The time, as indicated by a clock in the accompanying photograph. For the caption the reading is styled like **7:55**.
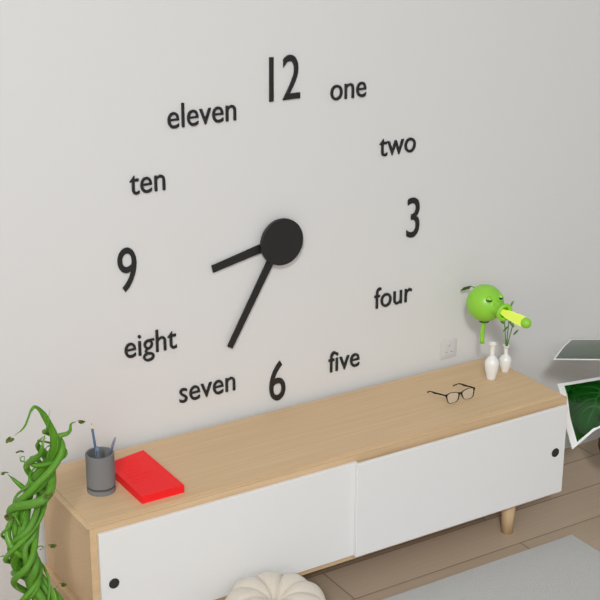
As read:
**8:35**
